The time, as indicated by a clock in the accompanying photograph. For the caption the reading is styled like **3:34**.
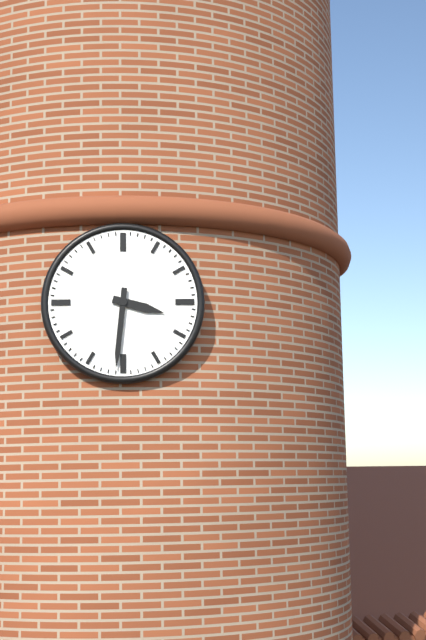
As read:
**3:31**
